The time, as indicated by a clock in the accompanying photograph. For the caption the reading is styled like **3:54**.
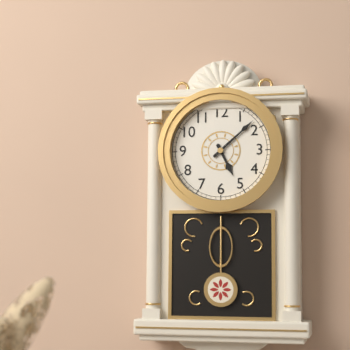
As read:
**5:08**
